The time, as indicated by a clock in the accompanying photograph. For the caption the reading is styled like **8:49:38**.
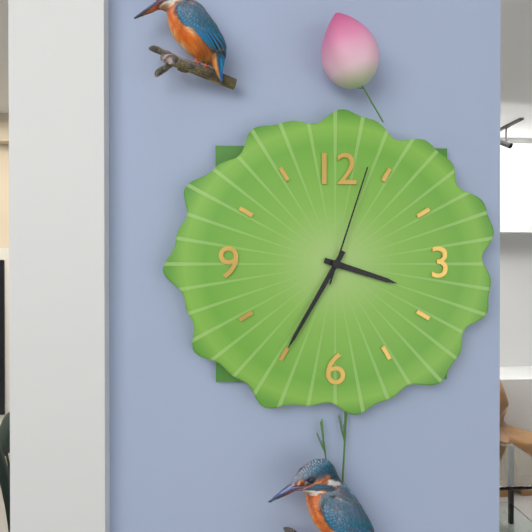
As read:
**3:35:03**
